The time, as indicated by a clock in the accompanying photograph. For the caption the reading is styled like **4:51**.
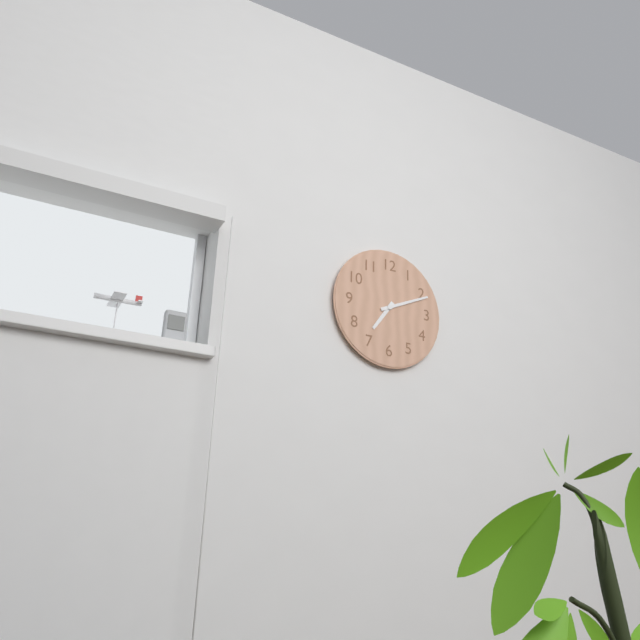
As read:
**7:11**
